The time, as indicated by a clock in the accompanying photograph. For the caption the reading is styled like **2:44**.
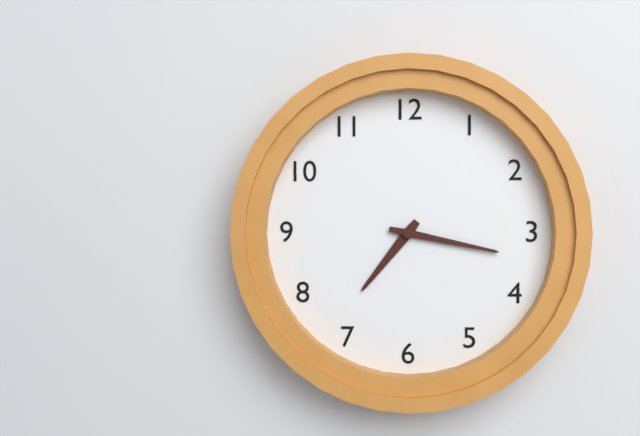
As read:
**7:17**
